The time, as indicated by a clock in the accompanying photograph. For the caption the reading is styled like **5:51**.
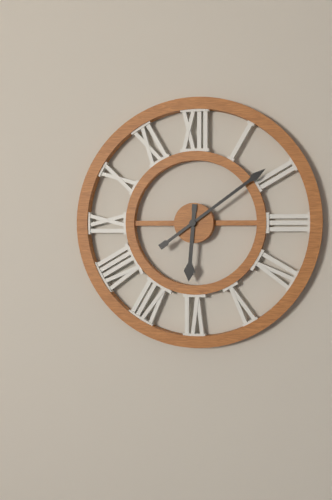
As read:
**6:09**
